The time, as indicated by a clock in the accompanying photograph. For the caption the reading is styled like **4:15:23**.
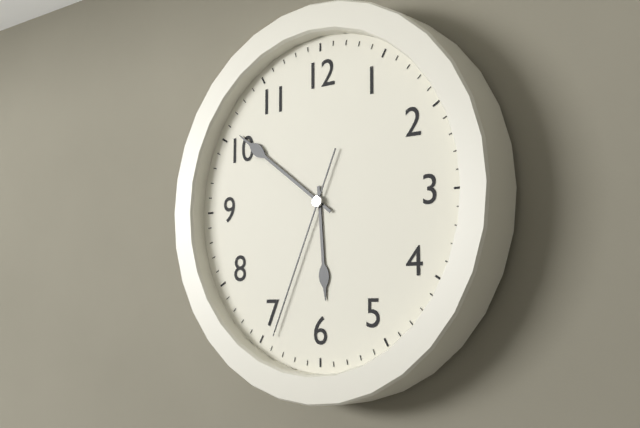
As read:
**5:51:34**
